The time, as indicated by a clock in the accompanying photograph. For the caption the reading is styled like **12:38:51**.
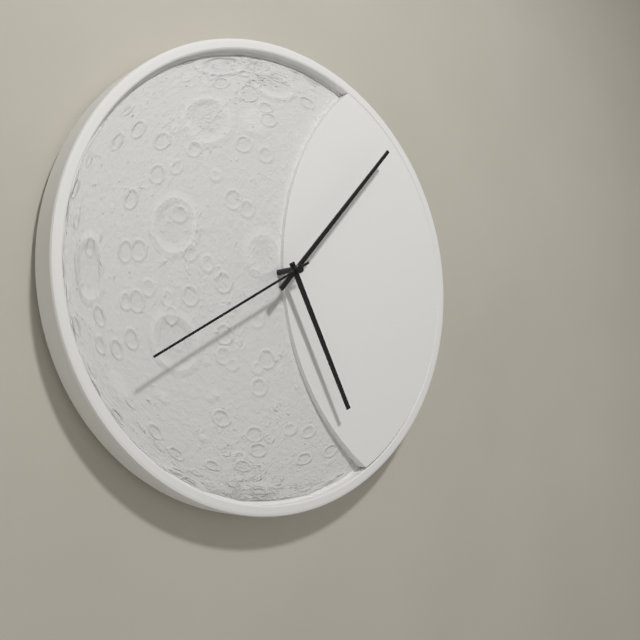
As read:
**5:07:40**
